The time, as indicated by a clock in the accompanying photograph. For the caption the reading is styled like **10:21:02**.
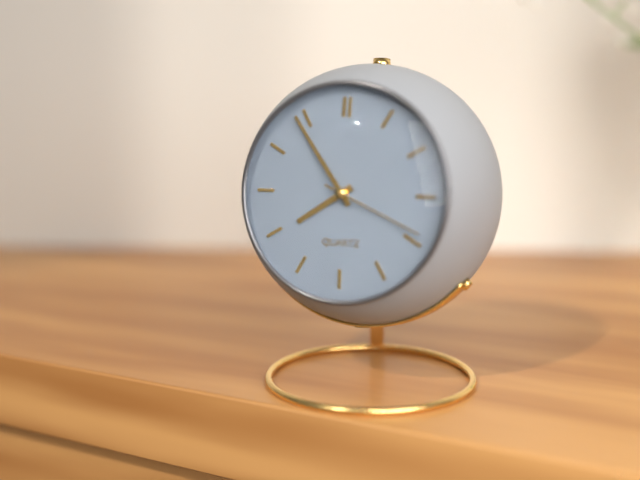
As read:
**7:54:19**
